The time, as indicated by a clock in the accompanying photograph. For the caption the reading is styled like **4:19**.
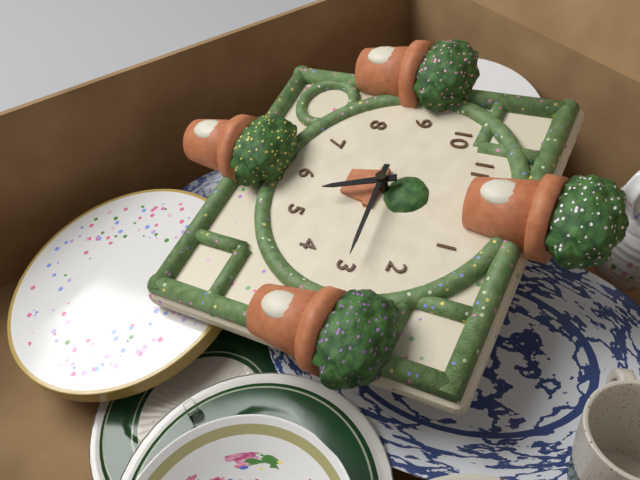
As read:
**5:14**
